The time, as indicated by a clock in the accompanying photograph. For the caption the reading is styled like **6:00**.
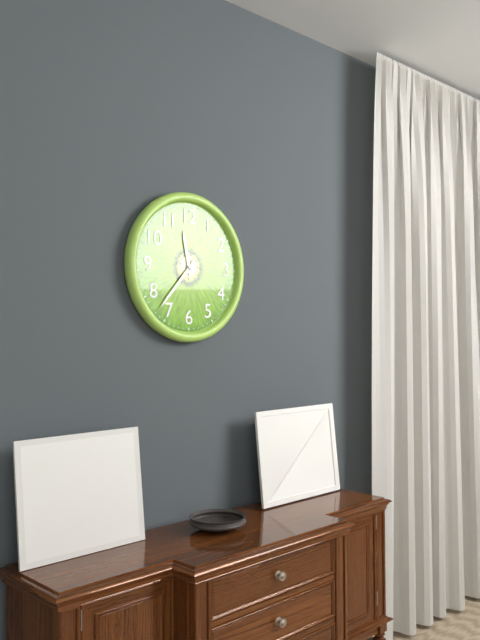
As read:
**11:37**
